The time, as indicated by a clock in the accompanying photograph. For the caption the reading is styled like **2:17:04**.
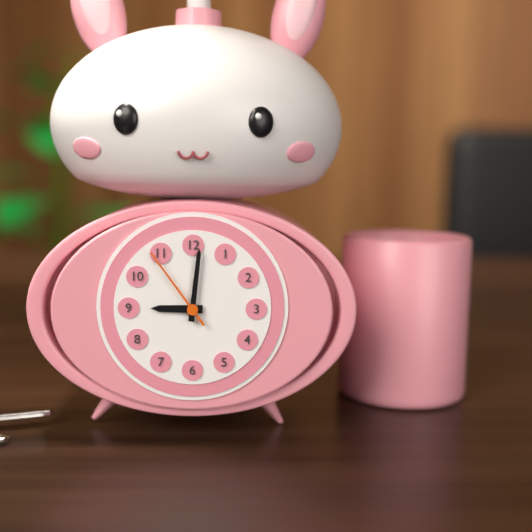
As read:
**9:01:54**
